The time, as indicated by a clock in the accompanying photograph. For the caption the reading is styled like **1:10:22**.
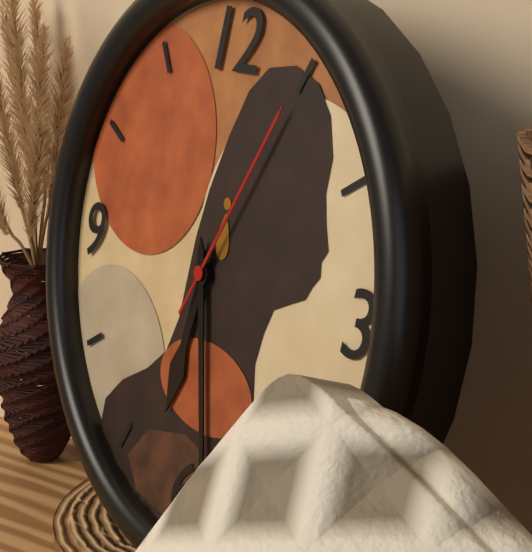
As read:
**6:28:05**
